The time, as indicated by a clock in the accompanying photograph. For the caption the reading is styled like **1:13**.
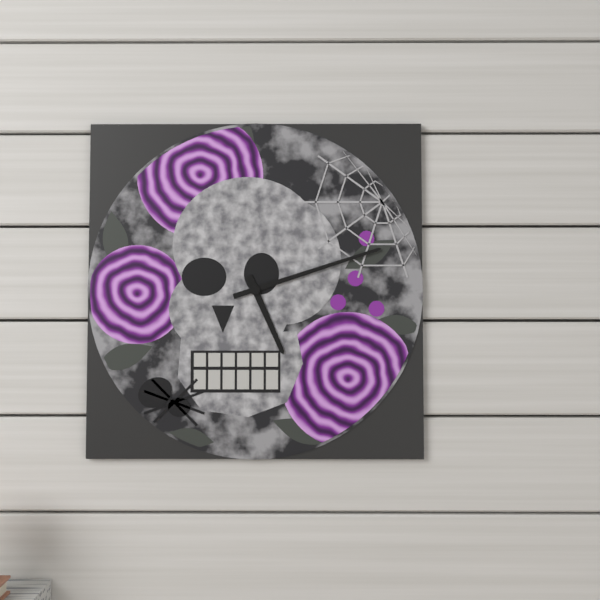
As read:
**5:12**
